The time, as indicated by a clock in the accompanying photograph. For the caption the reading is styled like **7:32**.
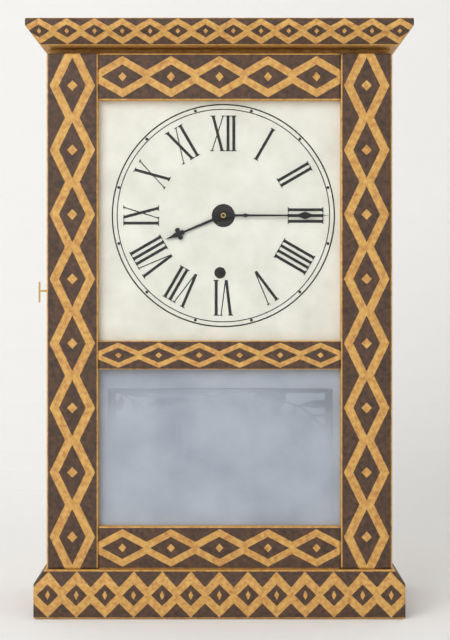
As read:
**8:15**
